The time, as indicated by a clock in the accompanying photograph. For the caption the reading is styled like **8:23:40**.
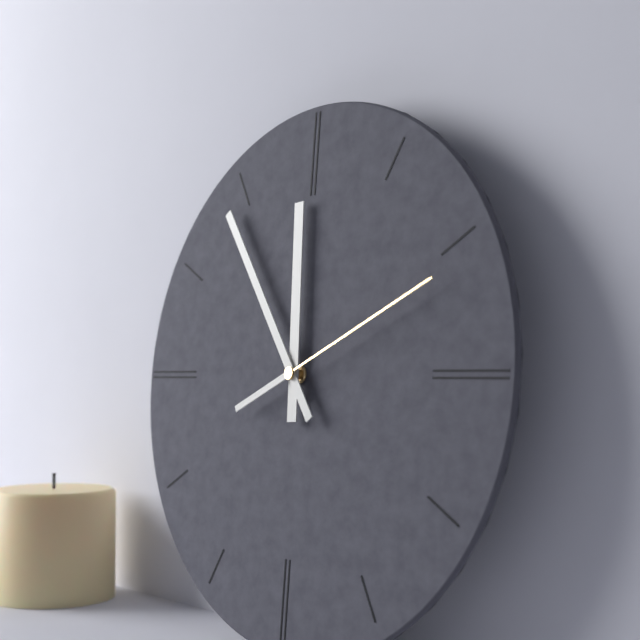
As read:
**11:54:11**
